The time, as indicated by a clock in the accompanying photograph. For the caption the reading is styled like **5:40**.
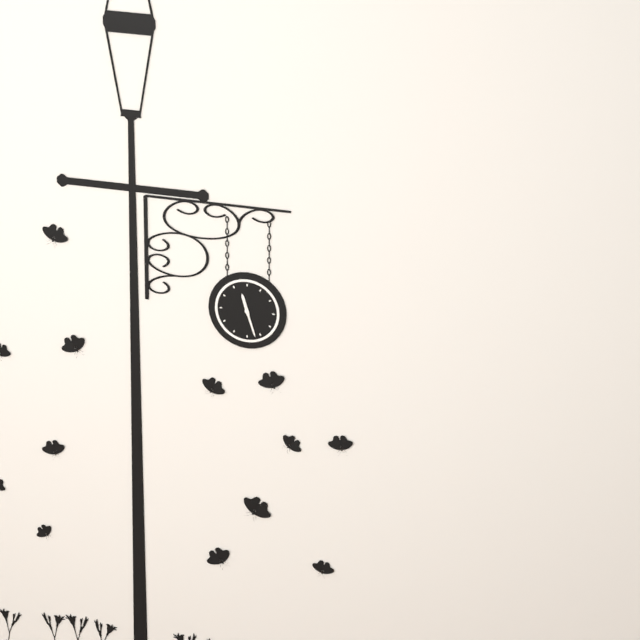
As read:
**11:27**
